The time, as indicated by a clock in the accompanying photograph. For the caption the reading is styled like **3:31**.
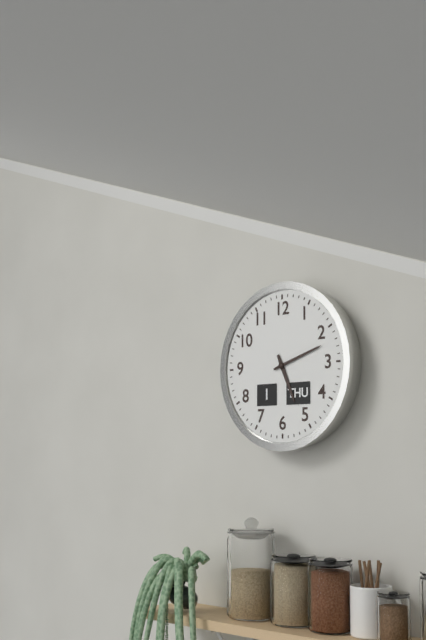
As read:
**5:12**
